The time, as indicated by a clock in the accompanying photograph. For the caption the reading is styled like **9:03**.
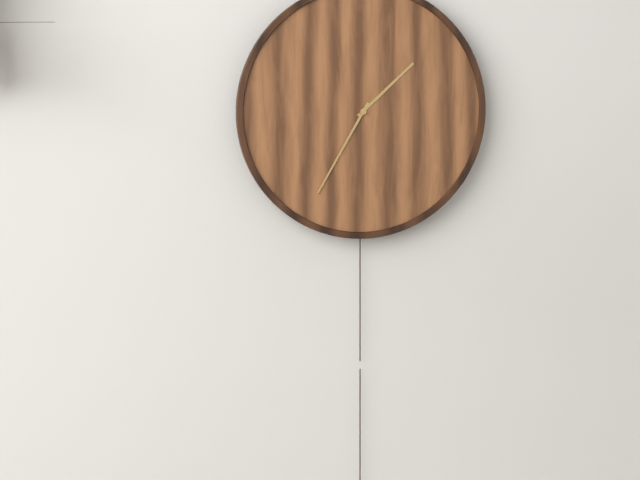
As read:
**1:35**
